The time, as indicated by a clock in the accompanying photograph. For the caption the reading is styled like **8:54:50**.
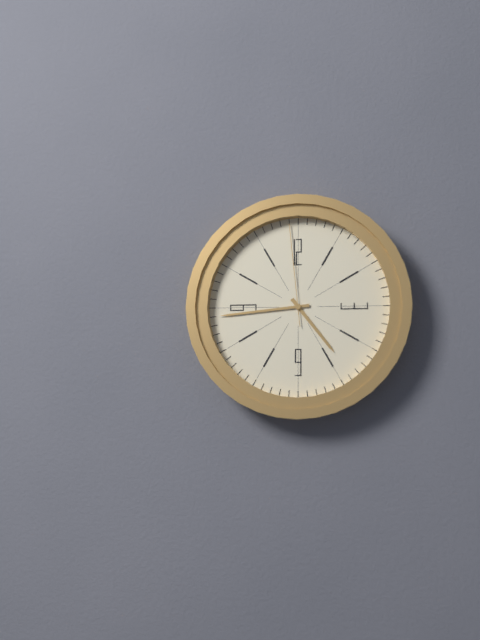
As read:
**4:44:59**
